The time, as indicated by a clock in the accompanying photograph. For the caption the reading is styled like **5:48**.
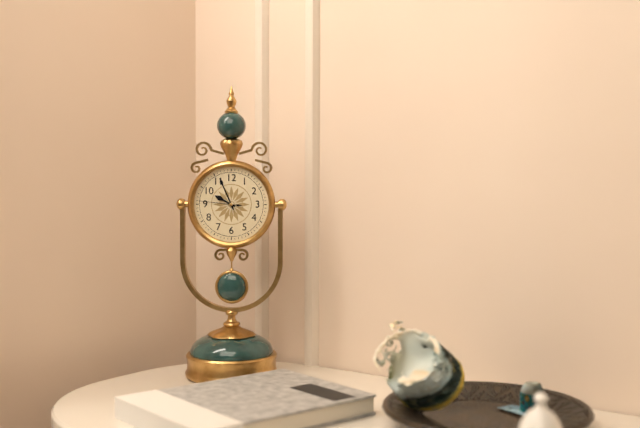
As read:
**9:56**
